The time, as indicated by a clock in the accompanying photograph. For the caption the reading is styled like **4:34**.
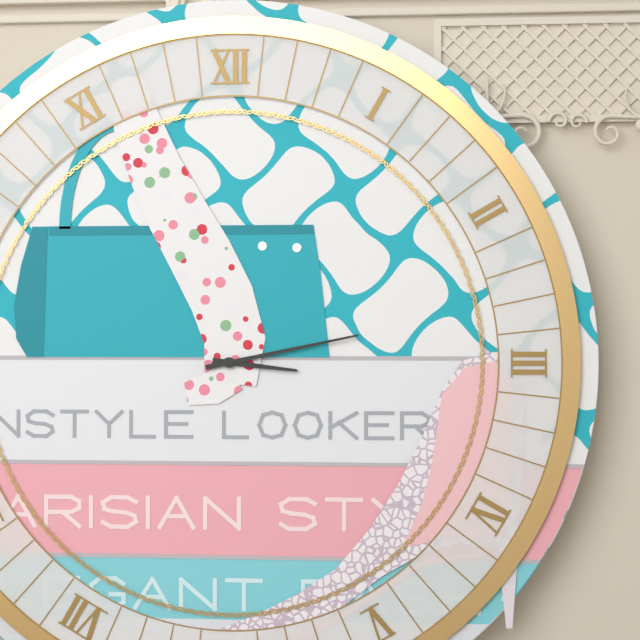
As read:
**3:13**
